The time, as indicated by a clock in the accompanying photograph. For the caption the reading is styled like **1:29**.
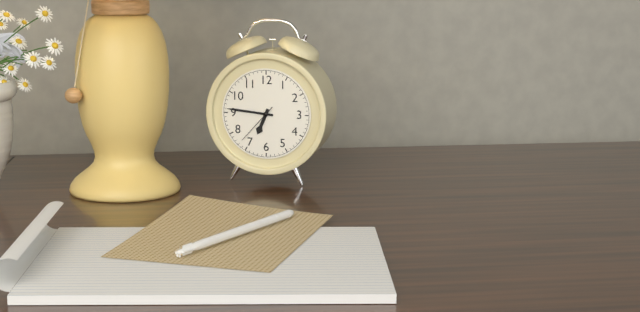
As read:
**6:46**
